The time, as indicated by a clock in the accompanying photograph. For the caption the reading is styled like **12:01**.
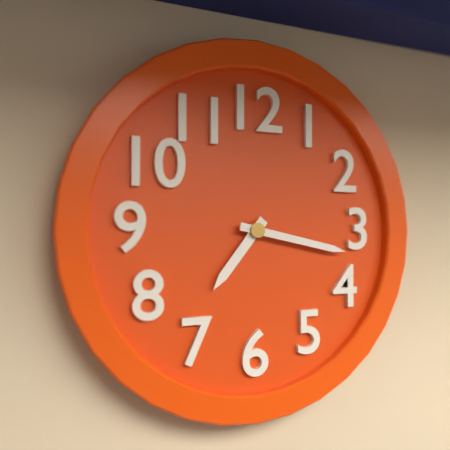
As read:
**7:17**
